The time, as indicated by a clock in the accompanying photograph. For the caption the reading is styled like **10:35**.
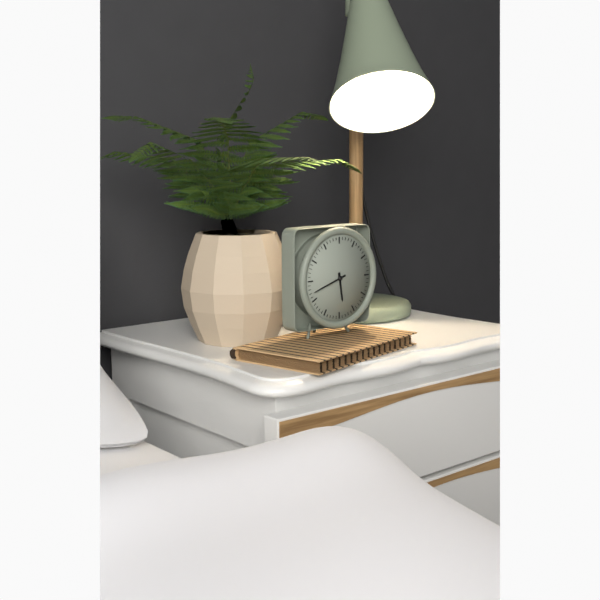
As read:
**5:42**
